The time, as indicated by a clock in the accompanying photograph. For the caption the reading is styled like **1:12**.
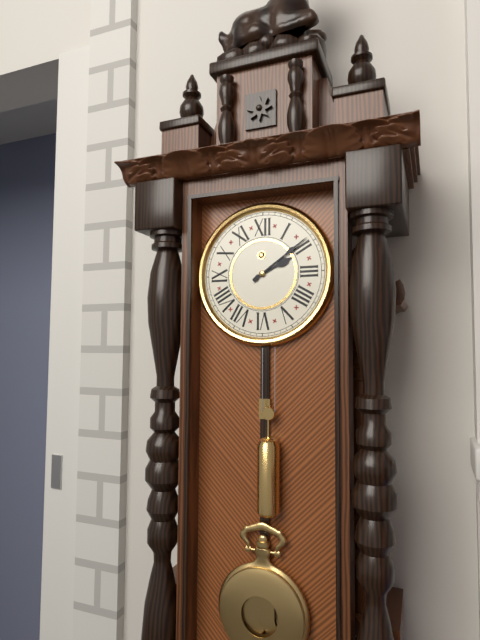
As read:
**2:09**
